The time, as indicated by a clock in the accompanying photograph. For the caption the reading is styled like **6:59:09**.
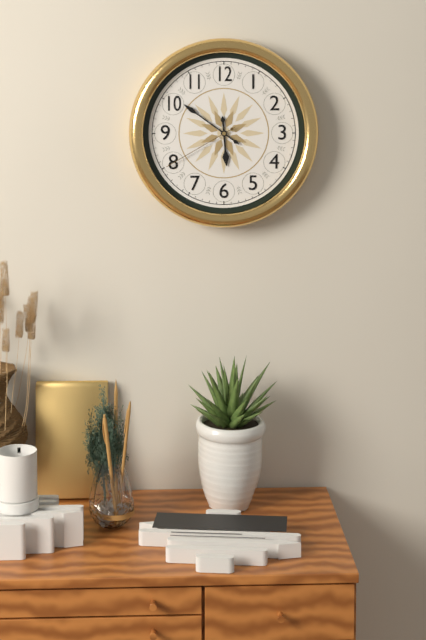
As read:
**5:51:40**
